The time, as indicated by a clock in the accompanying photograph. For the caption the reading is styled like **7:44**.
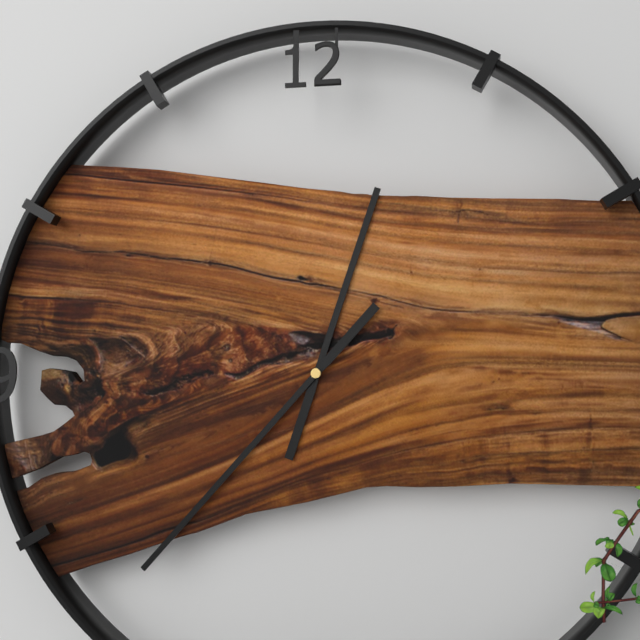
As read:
**12:37**
